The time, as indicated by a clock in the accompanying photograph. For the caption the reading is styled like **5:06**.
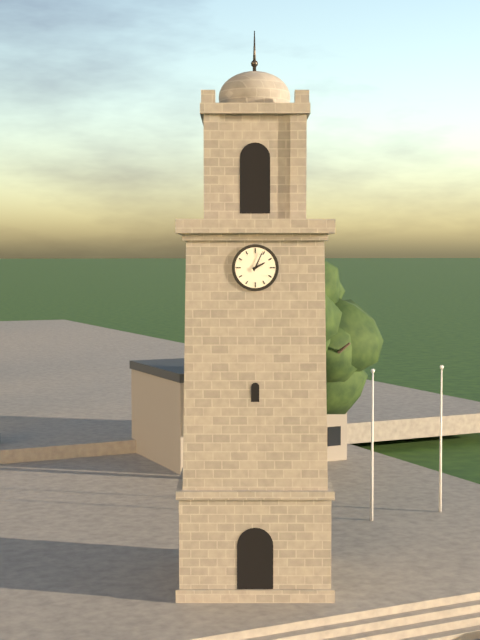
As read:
**2:04**
